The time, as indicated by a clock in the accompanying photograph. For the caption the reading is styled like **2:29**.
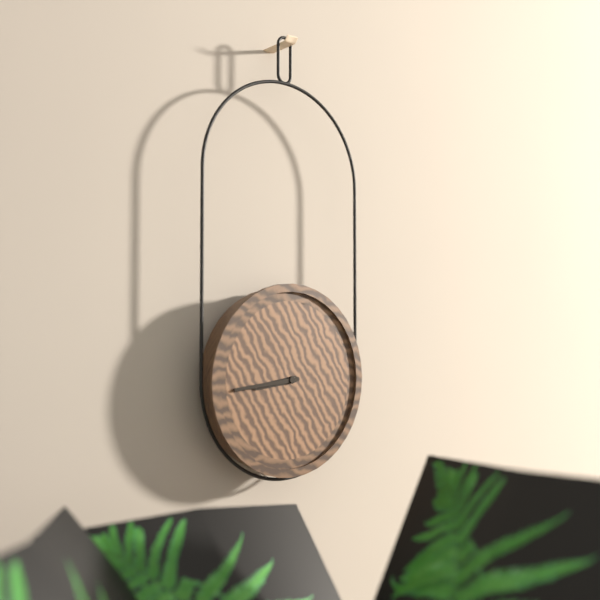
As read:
**8:44**
